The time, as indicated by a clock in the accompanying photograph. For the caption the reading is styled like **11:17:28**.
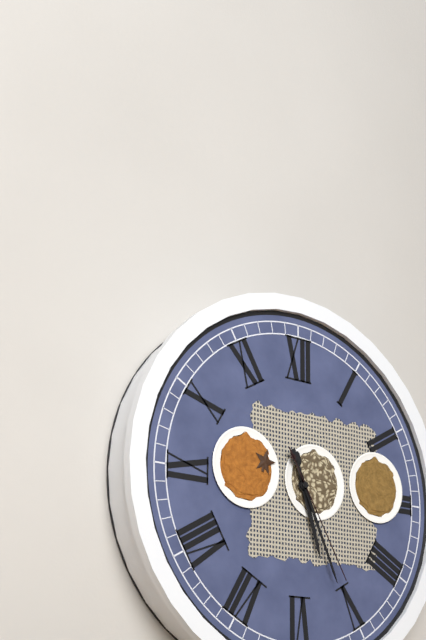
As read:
**5:26:25**
